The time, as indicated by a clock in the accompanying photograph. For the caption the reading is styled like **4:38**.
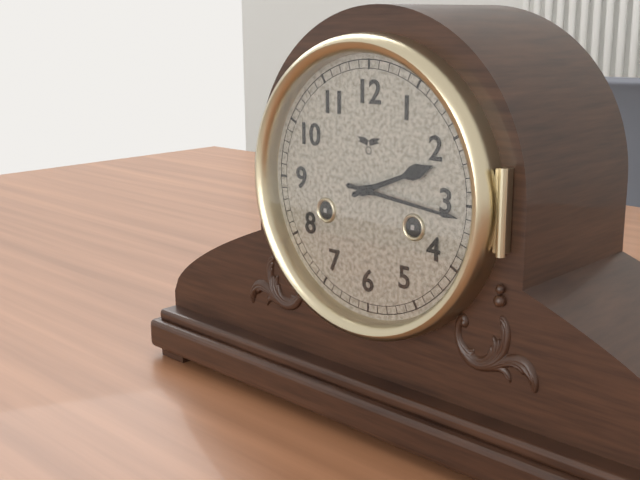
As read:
**2:16**
